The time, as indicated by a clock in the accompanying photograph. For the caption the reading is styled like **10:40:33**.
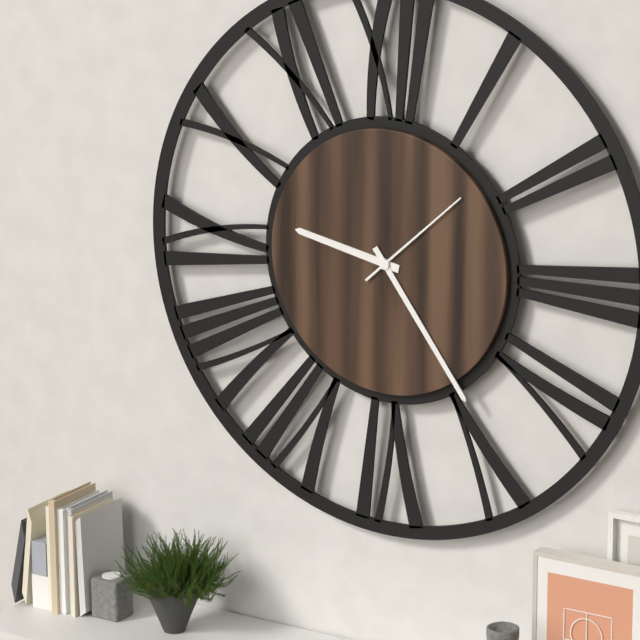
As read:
**9:24:08**
